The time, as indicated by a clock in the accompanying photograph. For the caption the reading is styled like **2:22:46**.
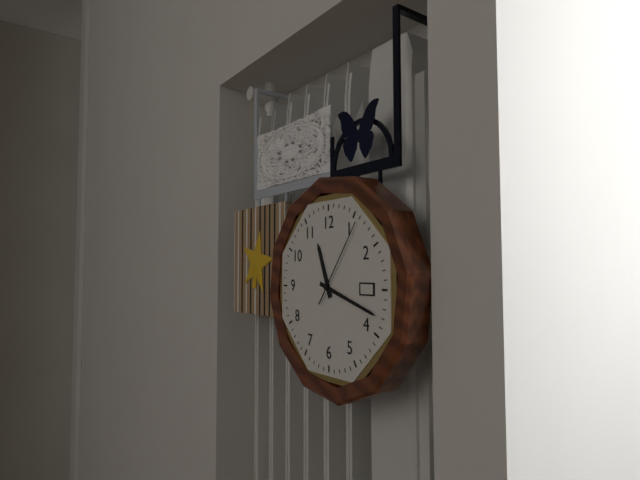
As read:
**11:18:06**
